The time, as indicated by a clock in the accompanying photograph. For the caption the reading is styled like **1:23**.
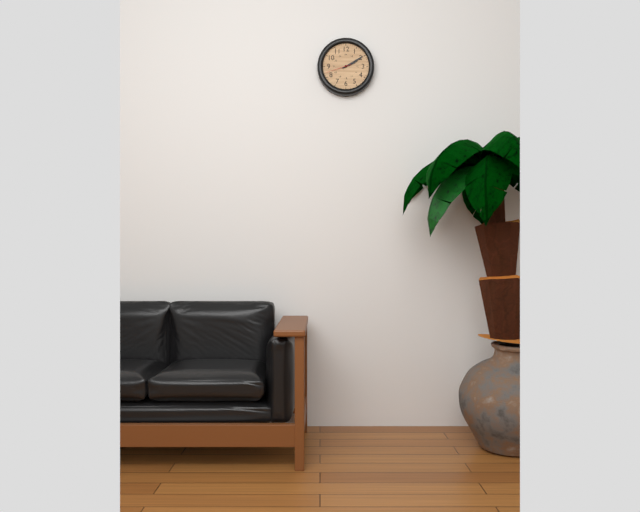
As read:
**2:10**
